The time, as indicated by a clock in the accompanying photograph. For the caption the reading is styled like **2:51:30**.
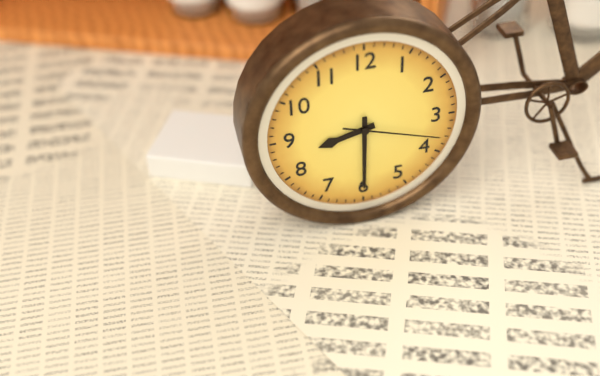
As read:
**8:30:18**
